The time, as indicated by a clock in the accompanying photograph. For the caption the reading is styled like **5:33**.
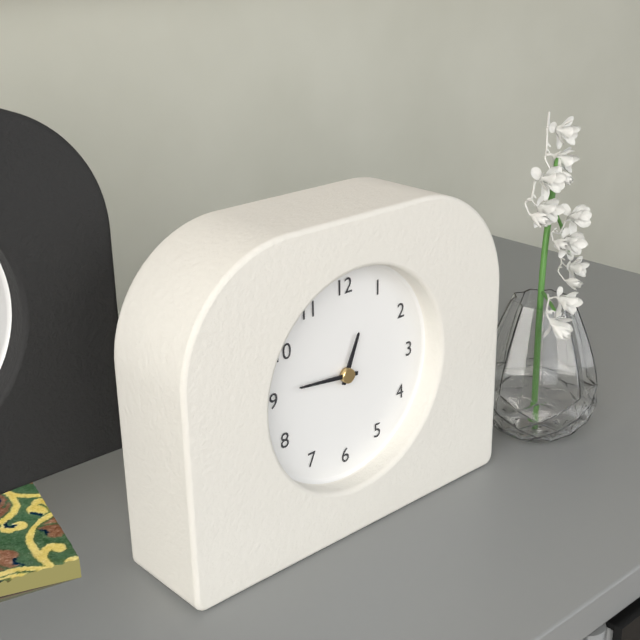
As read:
**12:46**
